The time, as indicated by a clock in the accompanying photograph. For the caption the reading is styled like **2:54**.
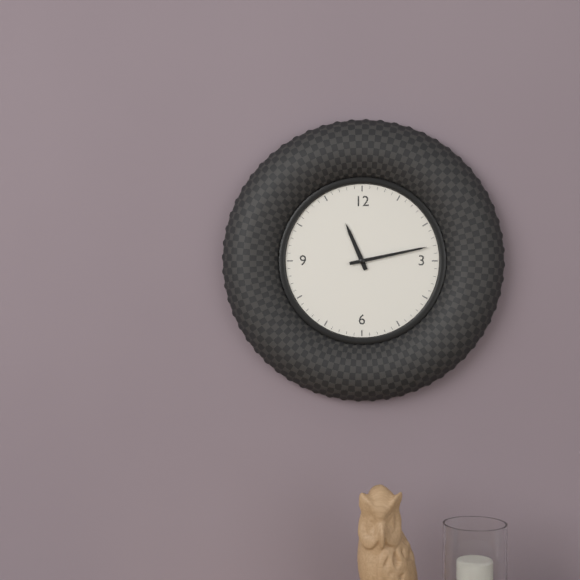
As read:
**11:13**
